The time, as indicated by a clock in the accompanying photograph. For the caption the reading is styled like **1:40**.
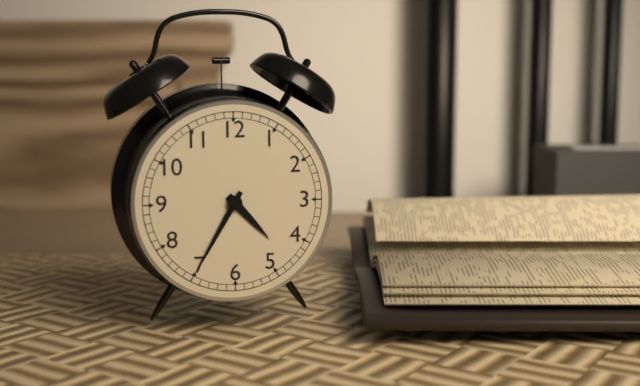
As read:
**4:35**
